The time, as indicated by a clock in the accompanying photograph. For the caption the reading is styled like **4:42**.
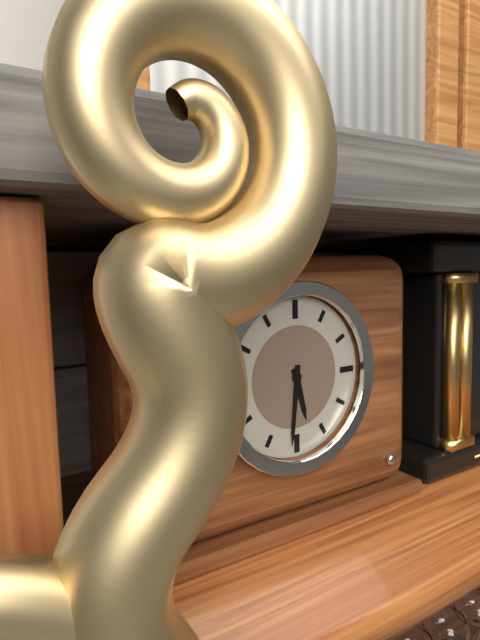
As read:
**5:31**
